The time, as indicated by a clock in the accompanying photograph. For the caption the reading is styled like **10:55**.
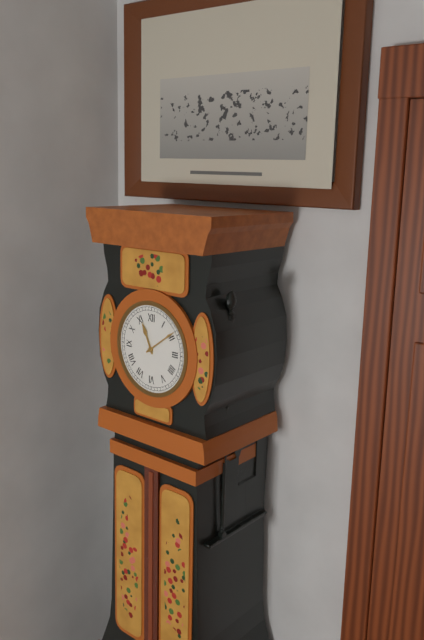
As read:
**11:09**
